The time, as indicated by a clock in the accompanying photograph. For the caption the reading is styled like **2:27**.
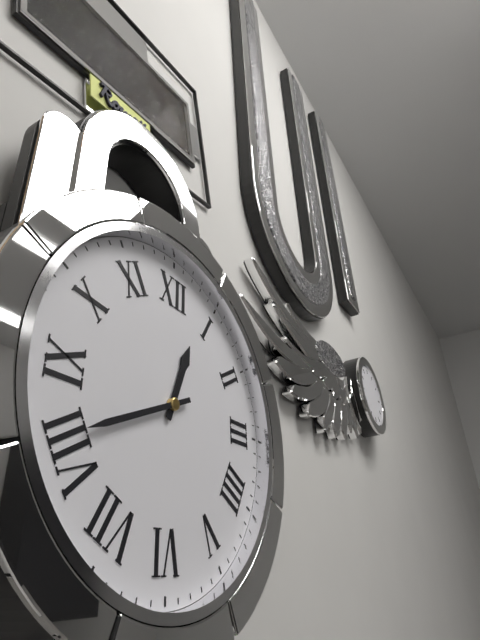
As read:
**12:41**
